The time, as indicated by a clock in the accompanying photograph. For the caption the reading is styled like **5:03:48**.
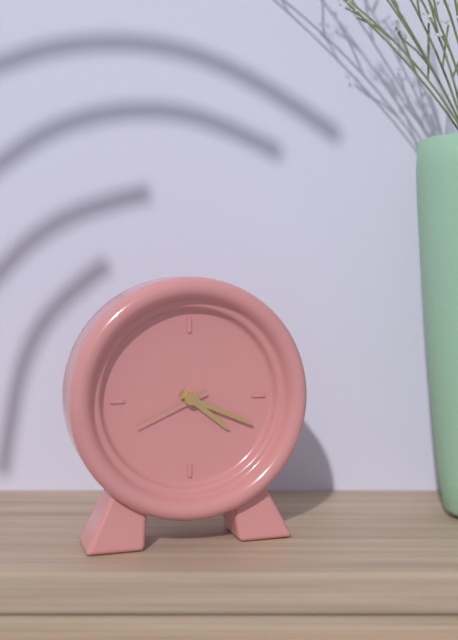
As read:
**4:19:41**
